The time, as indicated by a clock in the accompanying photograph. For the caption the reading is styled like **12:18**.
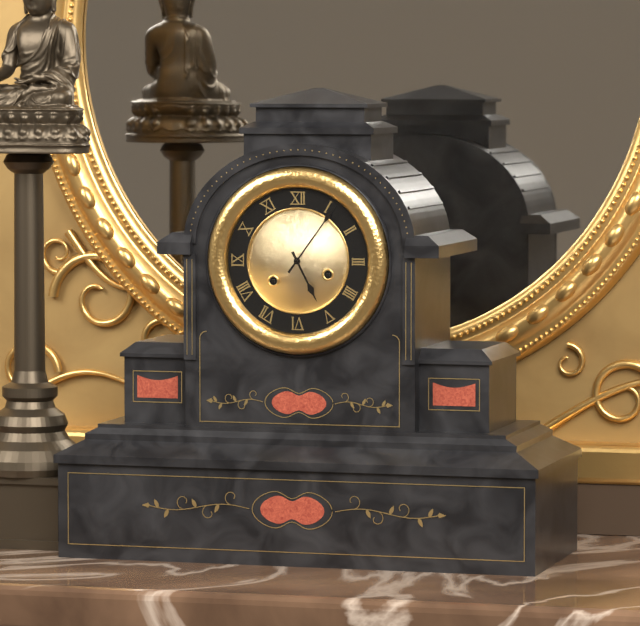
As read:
**5:06**
